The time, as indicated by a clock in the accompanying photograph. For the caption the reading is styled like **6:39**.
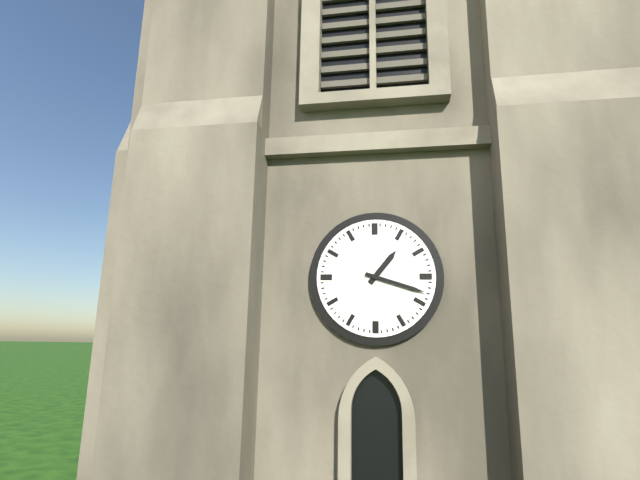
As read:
**1:18**
